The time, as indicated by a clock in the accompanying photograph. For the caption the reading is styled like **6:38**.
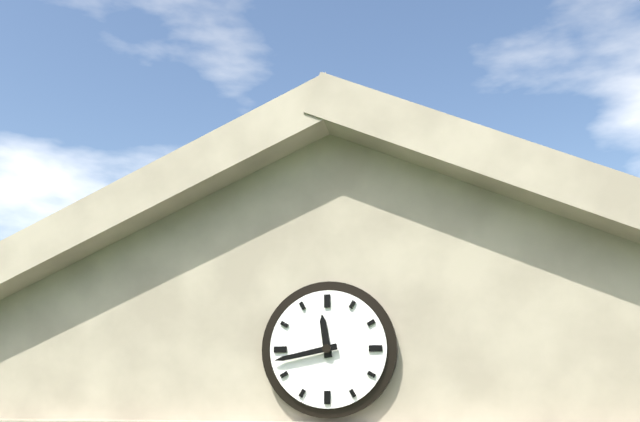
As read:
**11:43**
